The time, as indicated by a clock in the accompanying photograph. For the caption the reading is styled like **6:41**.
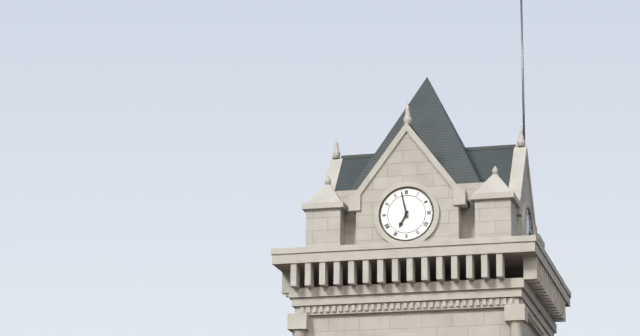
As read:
**6:58**
